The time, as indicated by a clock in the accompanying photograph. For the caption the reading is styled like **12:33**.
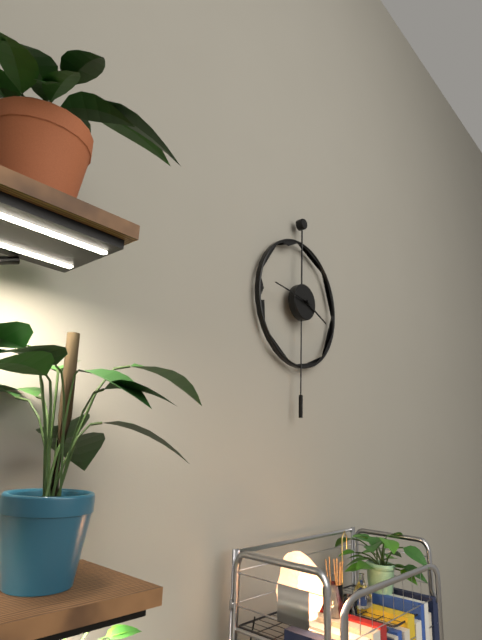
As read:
**3:46**
